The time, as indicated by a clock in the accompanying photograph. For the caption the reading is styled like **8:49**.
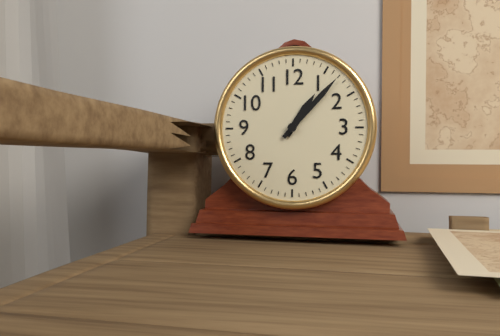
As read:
**1:07**
